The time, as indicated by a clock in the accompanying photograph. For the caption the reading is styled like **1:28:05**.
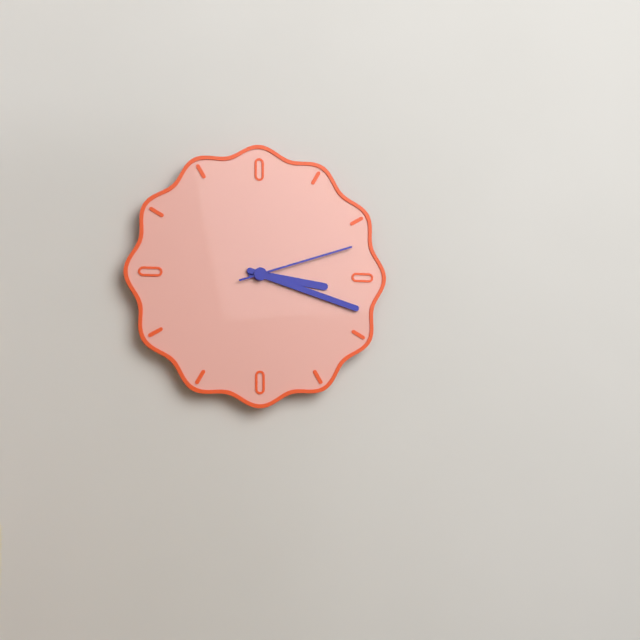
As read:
**3:18:12**
